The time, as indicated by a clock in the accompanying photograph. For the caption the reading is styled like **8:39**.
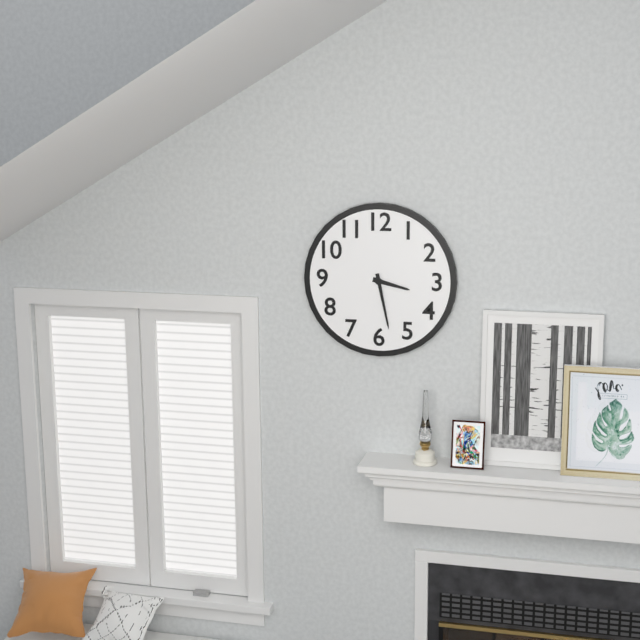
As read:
**3:28**
